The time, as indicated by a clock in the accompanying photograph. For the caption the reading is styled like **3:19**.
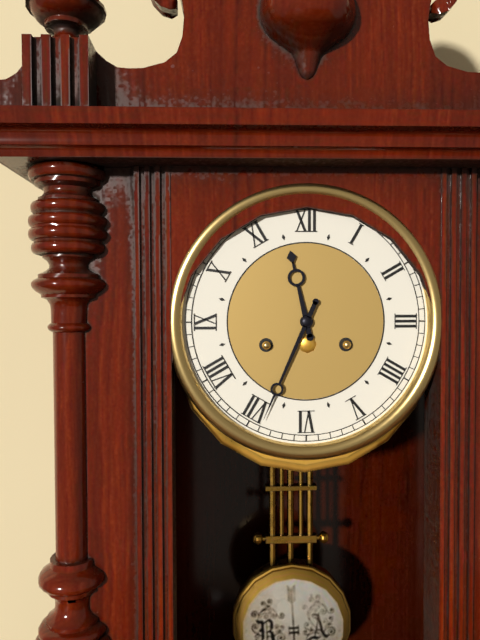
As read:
**11:34**
